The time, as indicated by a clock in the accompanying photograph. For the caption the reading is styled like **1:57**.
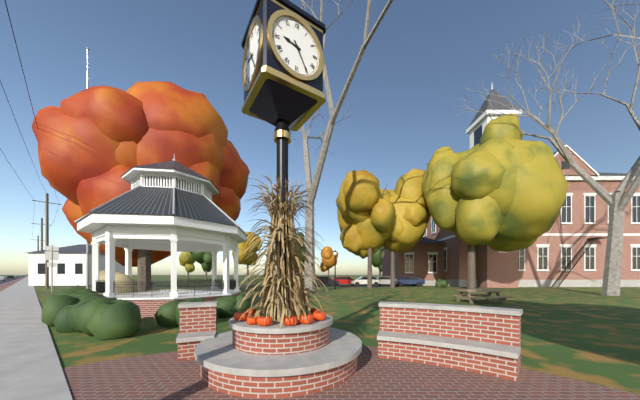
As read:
**9:25**
